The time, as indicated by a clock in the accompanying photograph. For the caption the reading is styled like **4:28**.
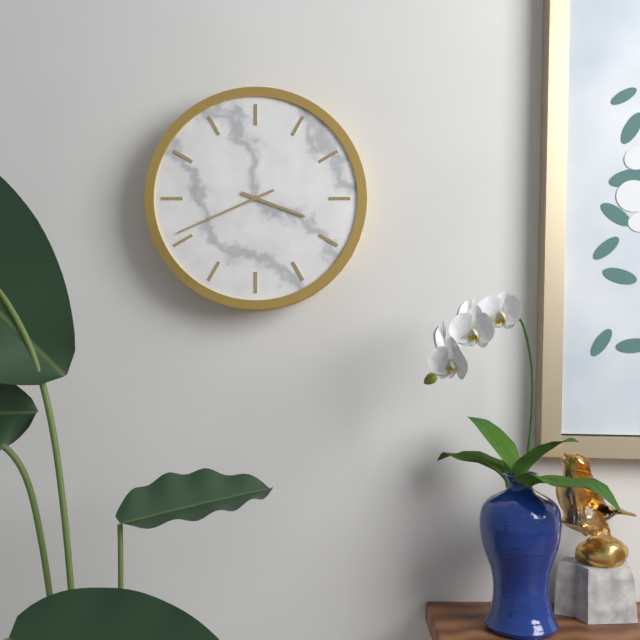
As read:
**3:41**
